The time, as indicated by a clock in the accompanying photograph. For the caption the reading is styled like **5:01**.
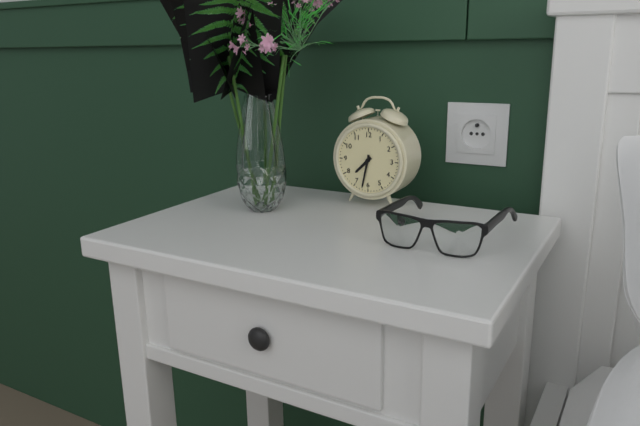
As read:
**7:32**
